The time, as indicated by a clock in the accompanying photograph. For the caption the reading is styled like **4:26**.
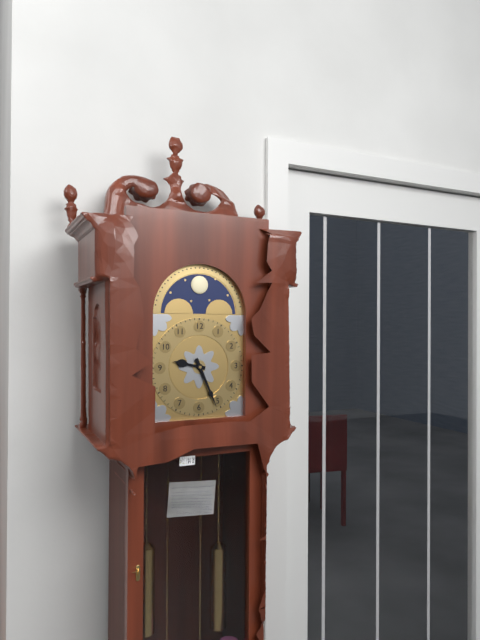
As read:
**9:26**
